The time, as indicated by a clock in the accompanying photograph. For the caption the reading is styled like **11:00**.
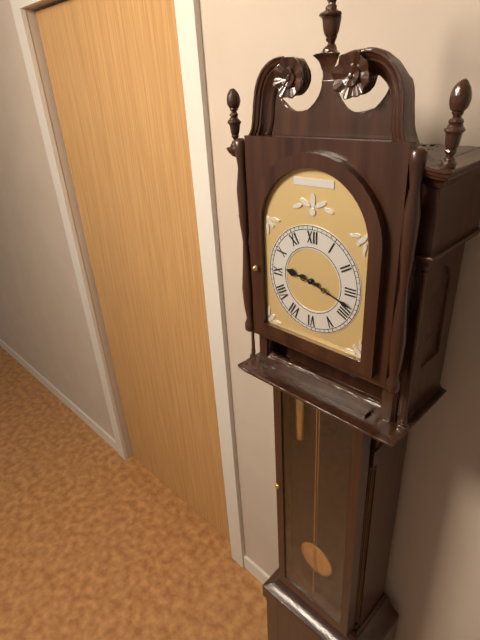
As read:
**9:18**
